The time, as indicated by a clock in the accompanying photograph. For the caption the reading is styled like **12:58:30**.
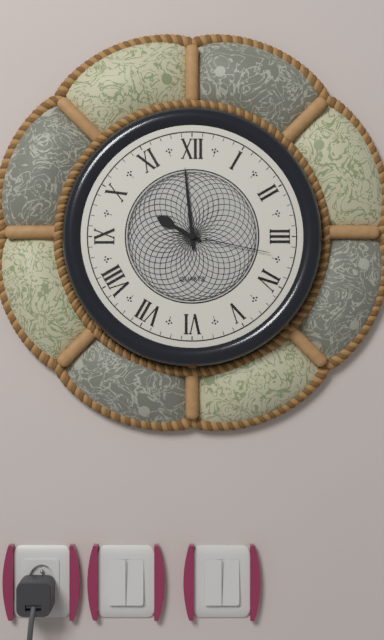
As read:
**9:59:17**
